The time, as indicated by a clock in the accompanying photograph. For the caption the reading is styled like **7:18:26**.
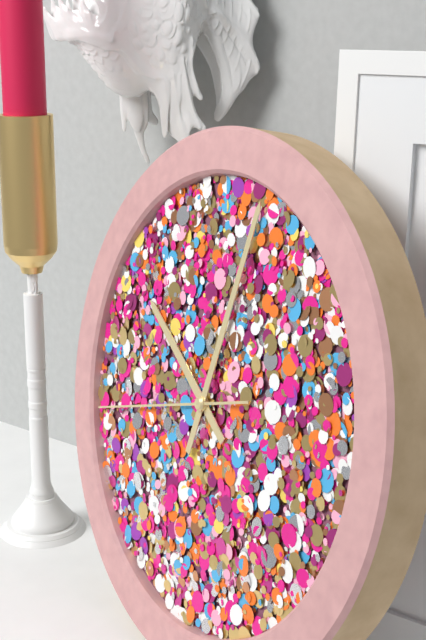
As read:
**10:02:42**
